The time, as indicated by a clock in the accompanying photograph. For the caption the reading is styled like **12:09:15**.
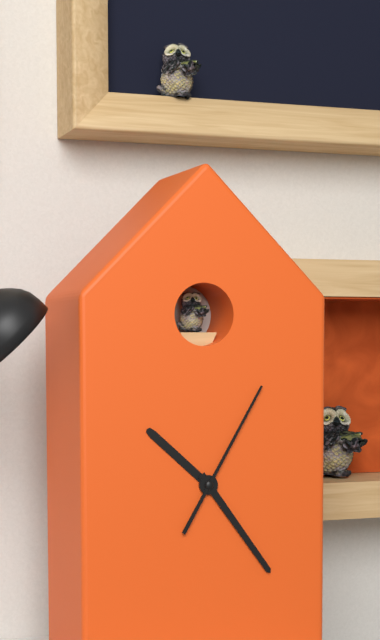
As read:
**10:24:05**
